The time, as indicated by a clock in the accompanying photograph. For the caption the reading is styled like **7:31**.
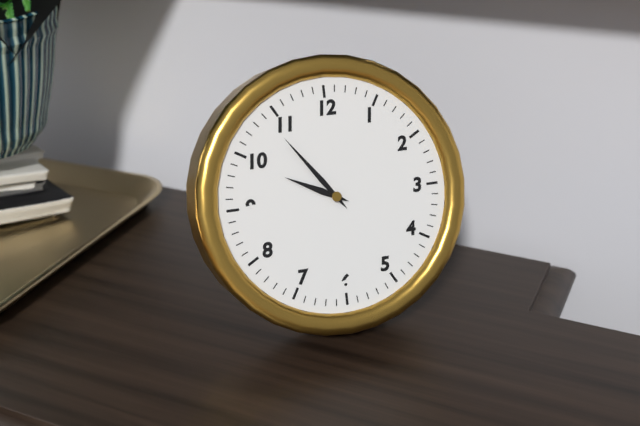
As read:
**9:54**
